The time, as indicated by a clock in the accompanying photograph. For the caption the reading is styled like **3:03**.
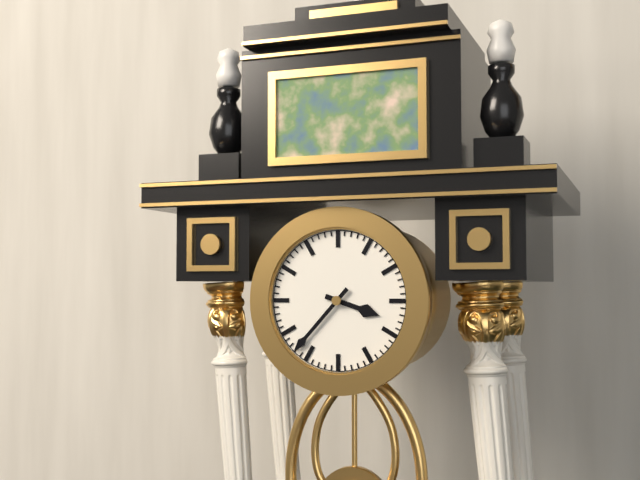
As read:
**3:37**
